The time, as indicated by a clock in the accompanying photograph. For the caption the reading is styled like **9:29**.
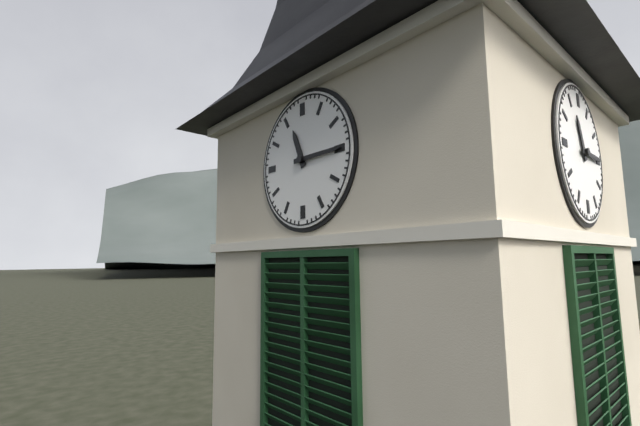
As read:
**11:15**
